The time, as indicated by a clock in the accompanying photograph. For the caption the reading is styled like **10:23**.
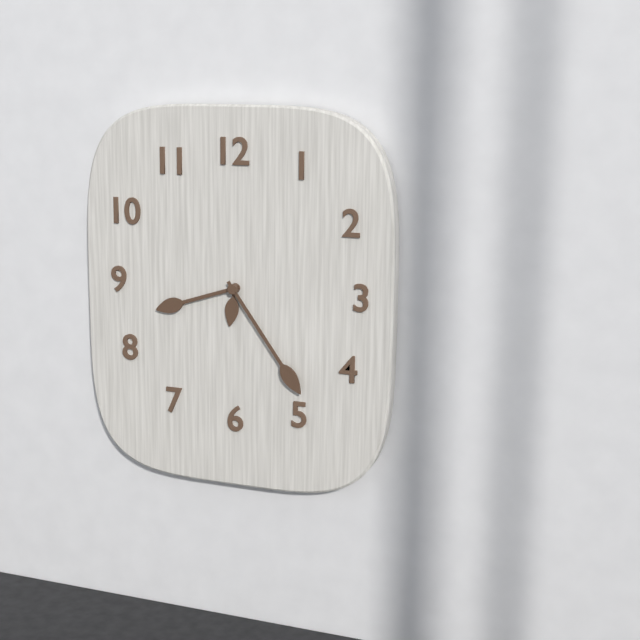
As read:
**8:24**
